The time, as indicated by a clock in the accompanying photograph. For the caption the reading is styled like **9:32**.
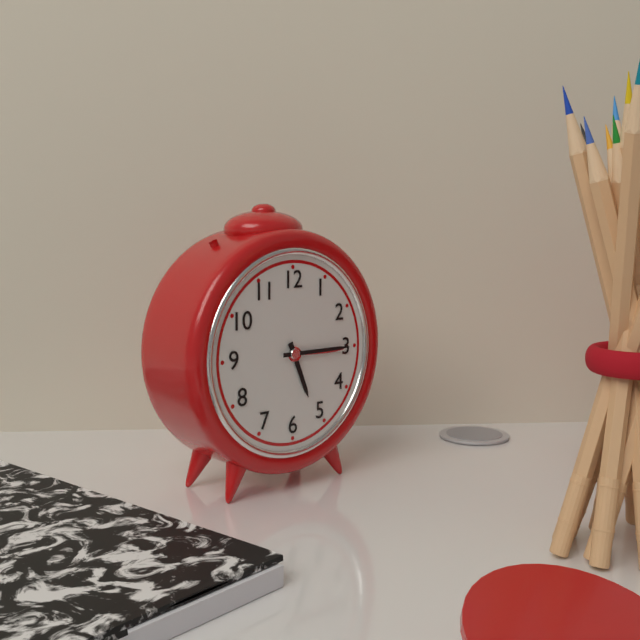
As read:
**5:15**
